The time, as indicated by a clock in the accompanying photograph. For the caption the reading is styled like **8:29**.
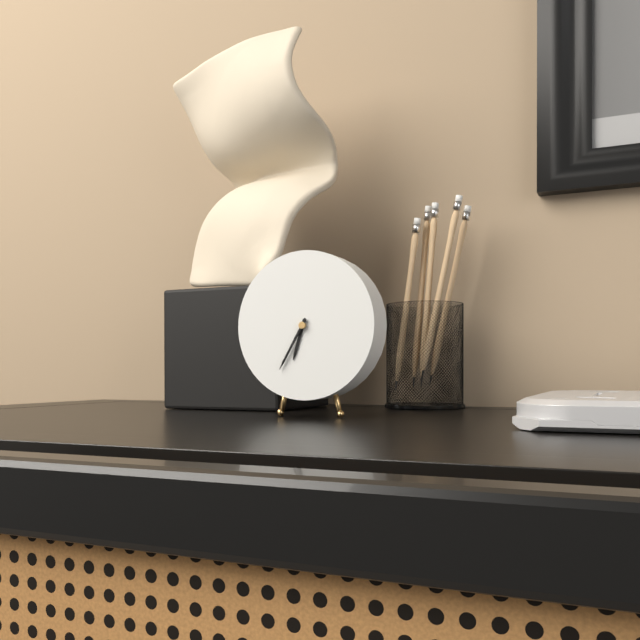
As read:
**6:35**
